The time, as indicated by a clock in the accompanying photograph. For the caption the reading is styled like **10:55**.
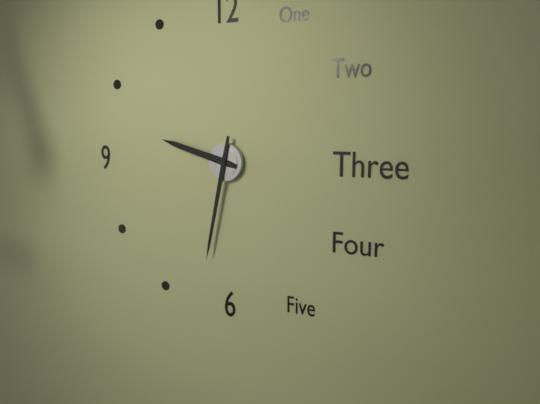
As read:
**9:32**
